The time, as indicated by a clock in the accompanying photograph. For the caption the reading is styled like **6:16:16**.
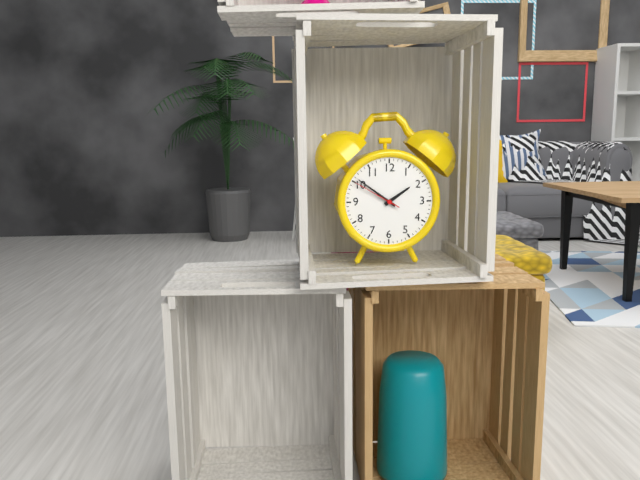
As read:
**1:51:50**
